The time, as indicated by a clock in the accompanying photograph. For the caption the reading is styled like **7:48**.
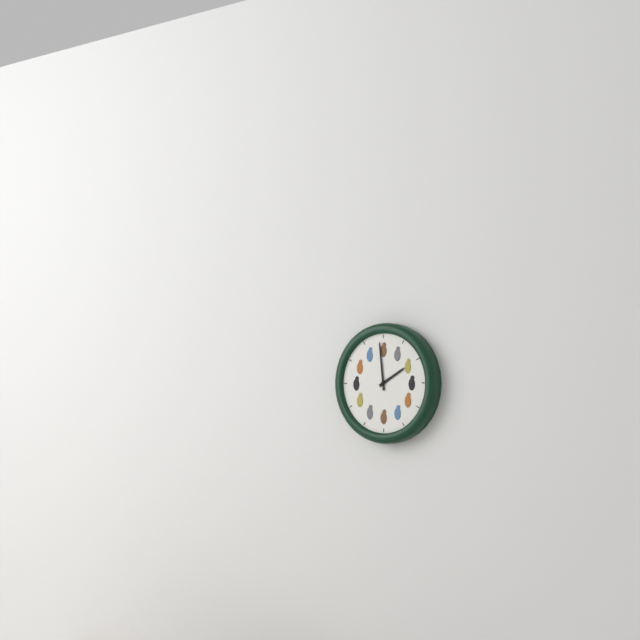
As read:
**1:59**
